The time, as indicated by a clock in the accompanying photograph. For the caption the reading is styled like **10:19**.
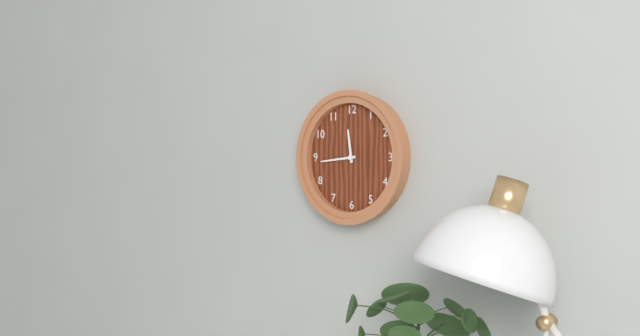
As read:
**11:44**
